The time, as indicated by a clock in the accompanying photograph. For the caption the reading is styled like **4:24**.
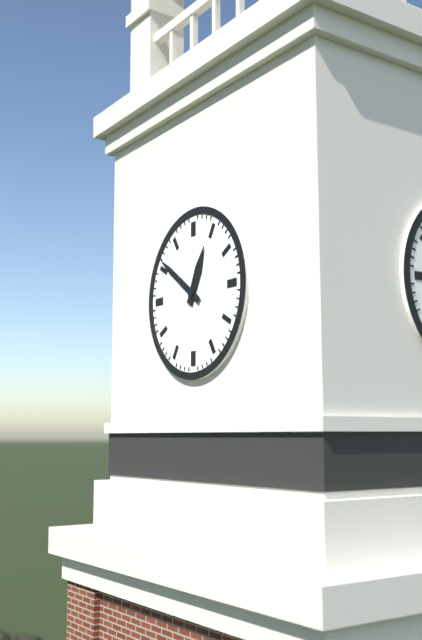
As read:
**12:51**
